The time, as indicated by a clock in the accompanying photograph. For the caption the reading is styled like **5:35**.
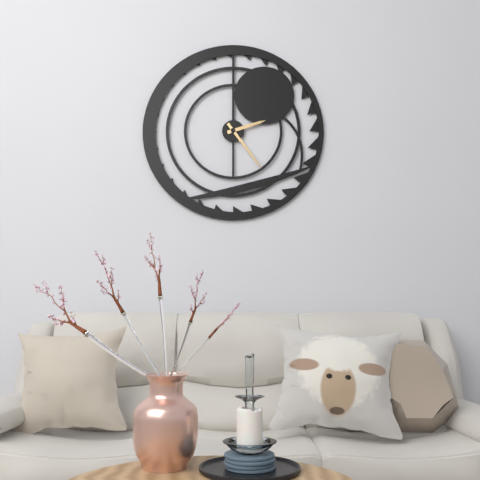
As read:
**2:24**
